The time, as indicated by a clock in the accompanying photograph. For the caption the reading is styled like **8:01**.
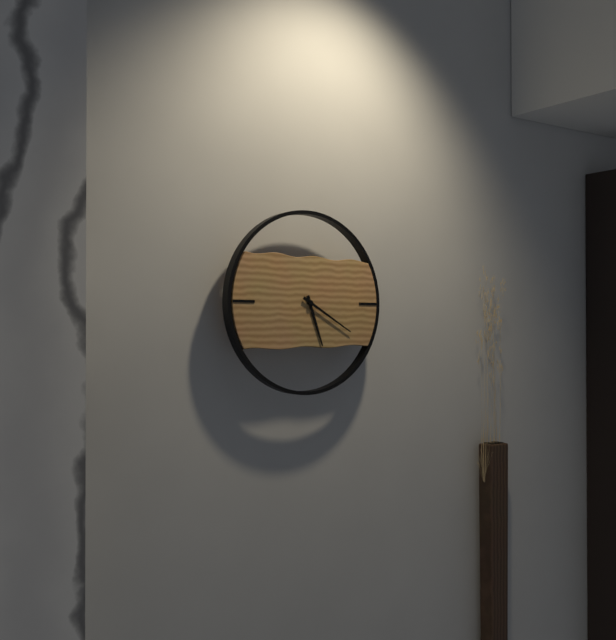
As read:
**5:20**
